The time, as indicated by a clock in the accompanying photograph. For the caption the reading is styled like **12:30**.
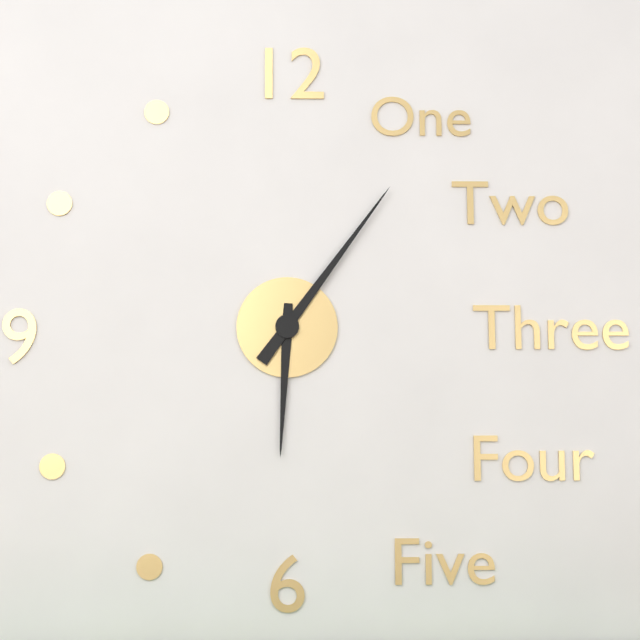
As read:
**6:06**
